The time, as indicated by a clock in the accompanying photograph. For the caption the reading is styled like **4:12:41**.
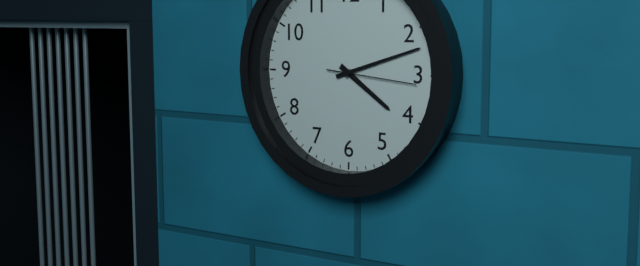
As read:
**4:12:16**
